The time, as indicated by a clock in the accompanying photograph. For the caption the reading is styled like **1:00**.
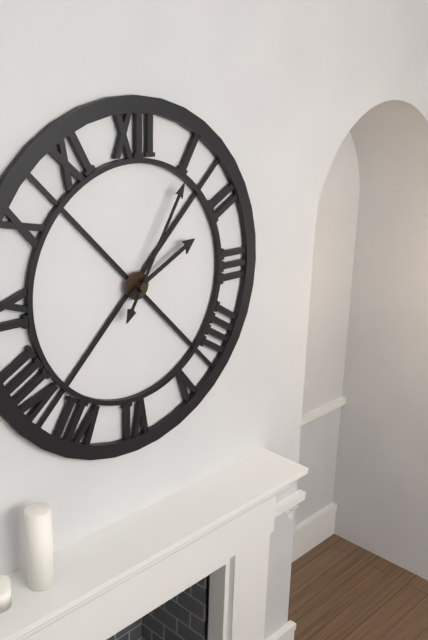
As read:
**2:05**
